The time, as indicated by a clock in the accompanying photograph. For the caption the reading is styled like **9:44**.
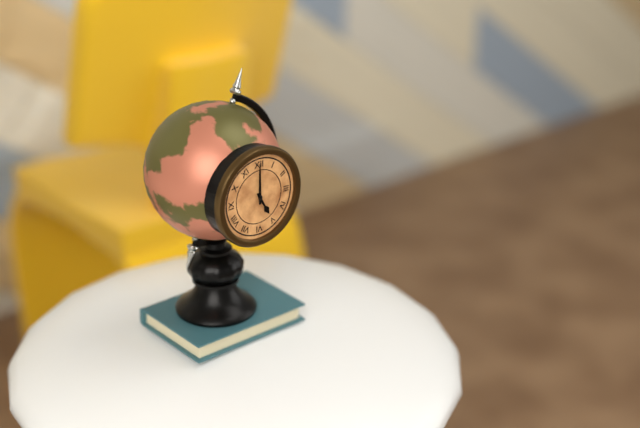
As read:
**5:00**
